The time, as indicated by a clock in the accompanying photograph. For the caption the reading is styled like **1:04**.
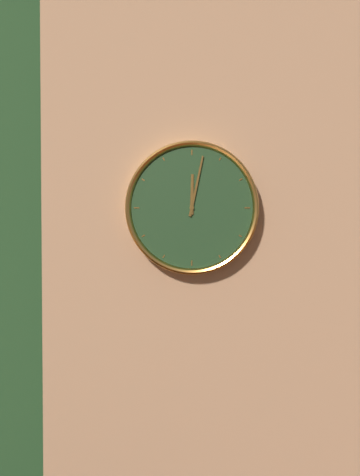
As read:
**12:02**
